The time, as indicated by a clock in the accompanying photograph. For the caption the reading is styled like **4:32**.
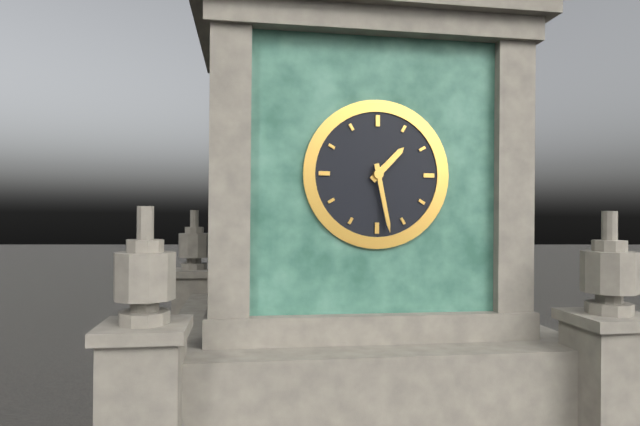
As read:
**1:28**
